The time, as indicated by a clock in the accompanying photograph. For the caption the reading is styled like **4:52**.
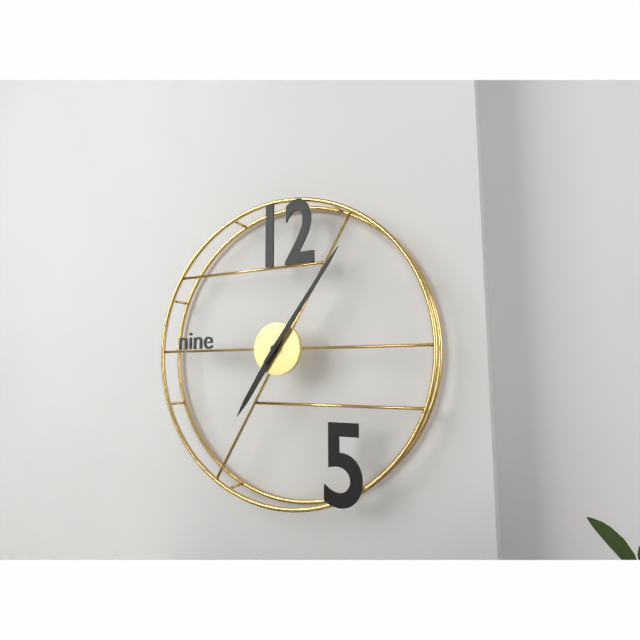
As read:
**7:06**
